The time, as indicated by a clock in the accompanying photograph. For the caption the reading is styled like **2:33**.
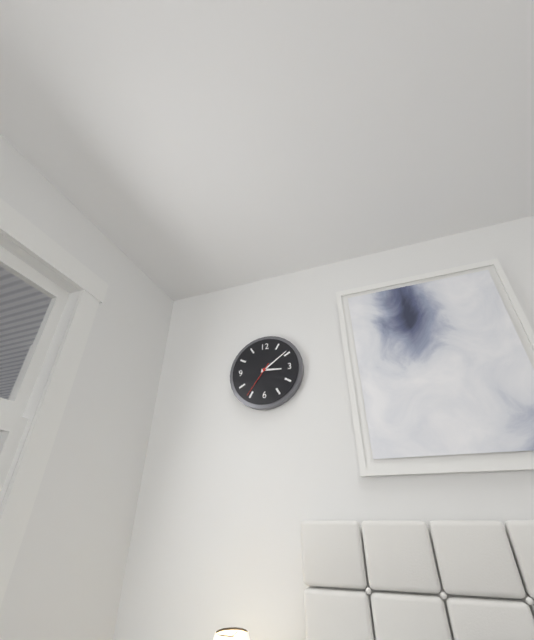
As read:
**3:09**
